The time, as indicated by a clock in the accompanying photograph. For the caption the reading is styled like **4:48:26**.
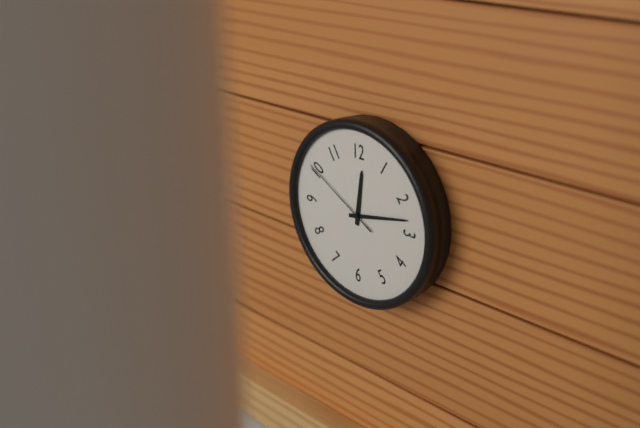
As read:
**12:13:50**
